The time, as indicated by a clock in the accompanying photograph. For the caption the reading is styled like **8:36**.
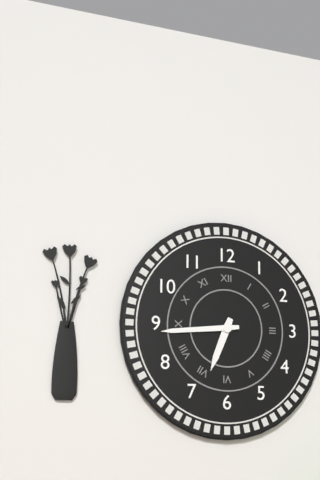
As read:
**6:44**
